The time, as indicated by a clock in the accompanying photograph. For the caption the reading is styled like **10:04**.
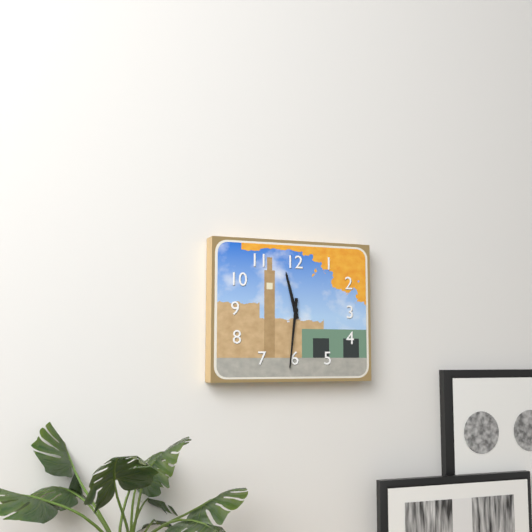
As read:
**11:31**
